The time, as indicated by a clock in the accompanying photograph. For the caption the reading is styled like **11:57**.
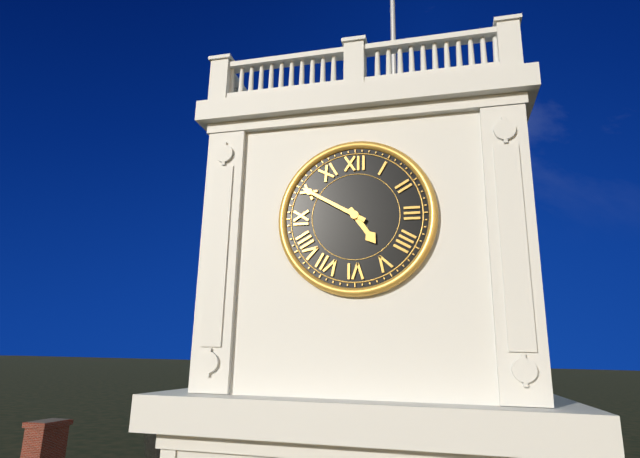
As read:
**4:50**
